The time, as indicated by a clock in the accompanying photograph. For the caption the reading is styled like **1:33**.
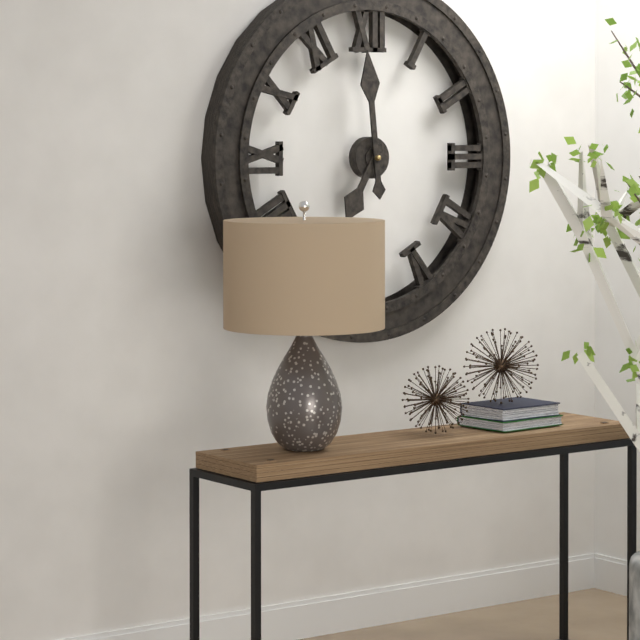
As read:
**6:59**
